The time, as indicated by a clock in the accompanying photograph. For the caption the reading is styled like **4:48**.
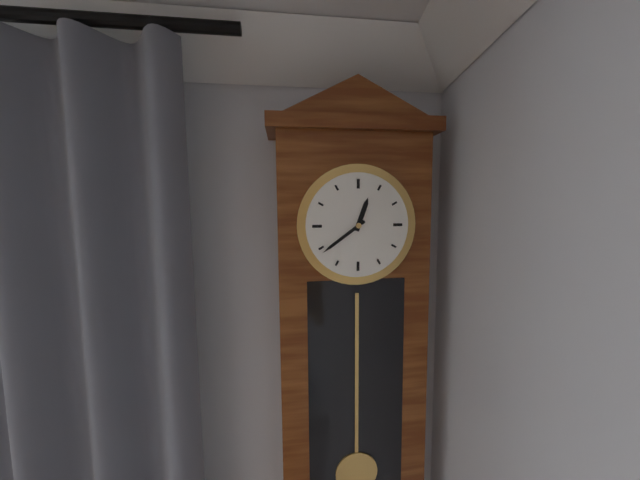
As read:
**12:39**
